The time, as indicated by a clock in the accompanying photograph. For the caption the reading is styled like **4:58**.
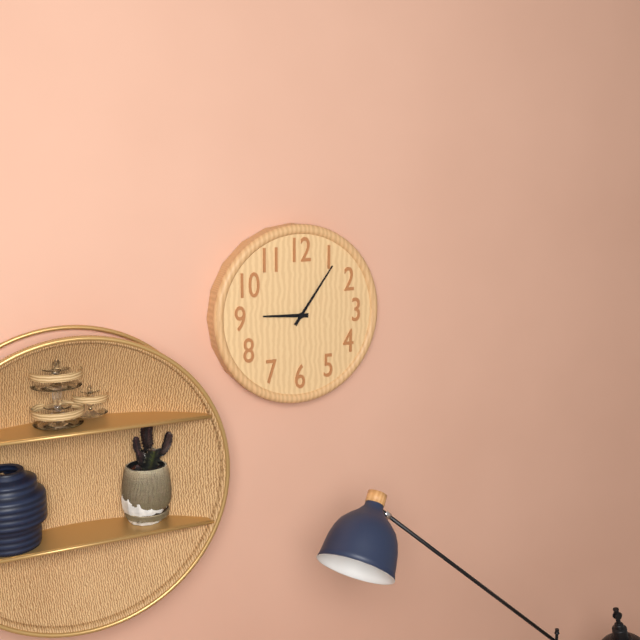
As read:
**9:06**
